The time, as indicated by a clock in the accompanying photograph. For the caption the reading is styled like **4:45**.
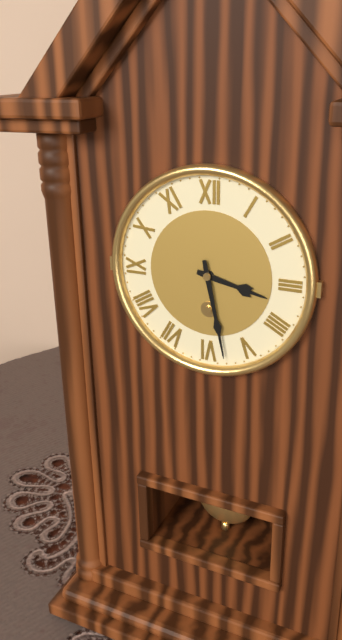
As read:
**3:28**
